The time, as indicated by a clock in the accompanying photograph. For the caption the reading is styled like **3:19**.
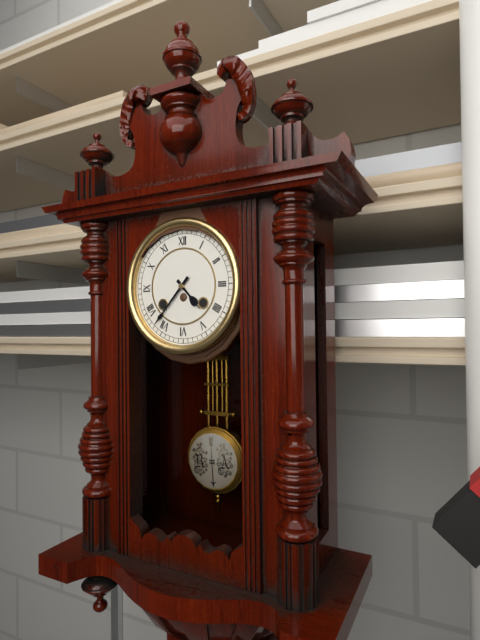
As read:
**4:37**
